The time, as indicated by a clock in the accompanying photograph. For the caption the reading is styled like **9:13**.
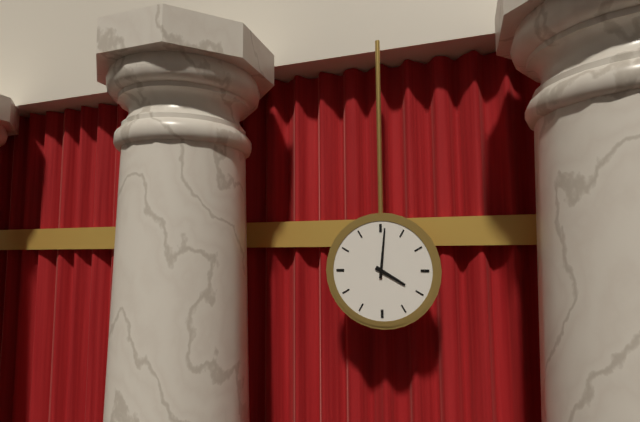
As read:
**4:01**
